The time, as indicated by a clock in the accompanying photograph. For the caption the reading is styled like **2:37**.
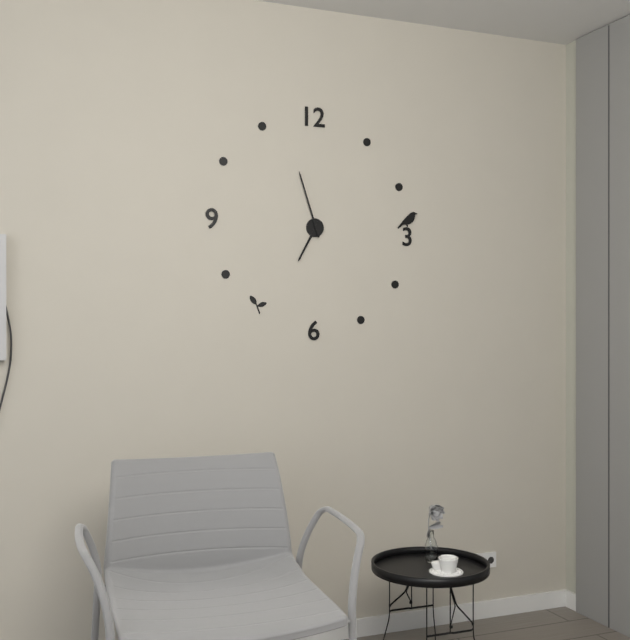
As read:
**6:57**
